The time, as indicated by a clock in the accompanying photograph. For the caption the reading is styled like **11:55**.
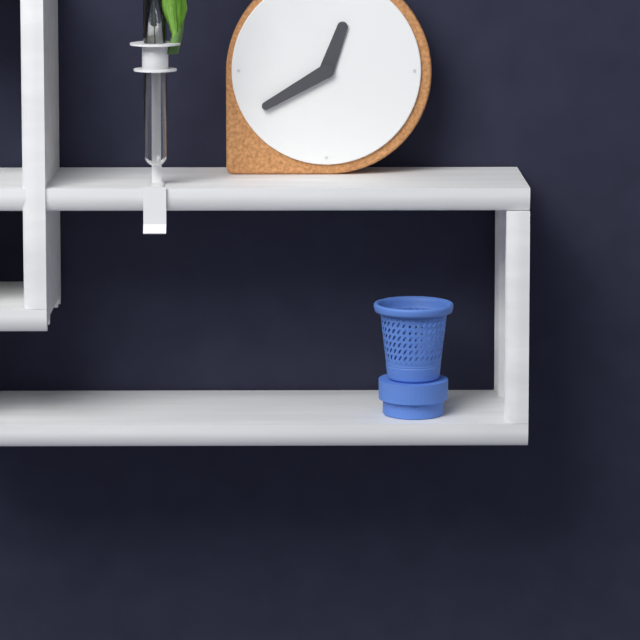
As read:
**12:40**
